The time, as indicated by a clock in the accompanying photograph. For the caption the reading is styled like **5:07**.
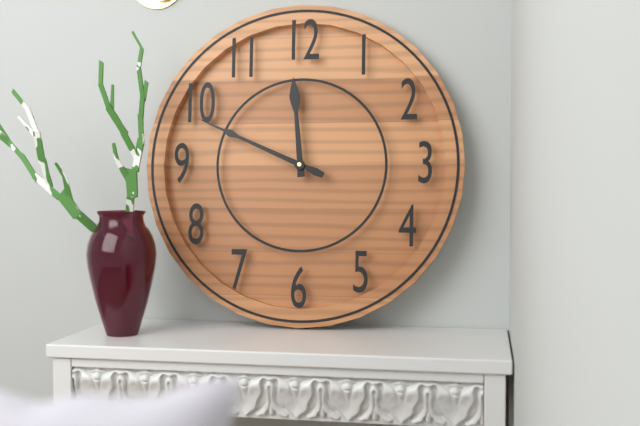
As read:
**11:49**
